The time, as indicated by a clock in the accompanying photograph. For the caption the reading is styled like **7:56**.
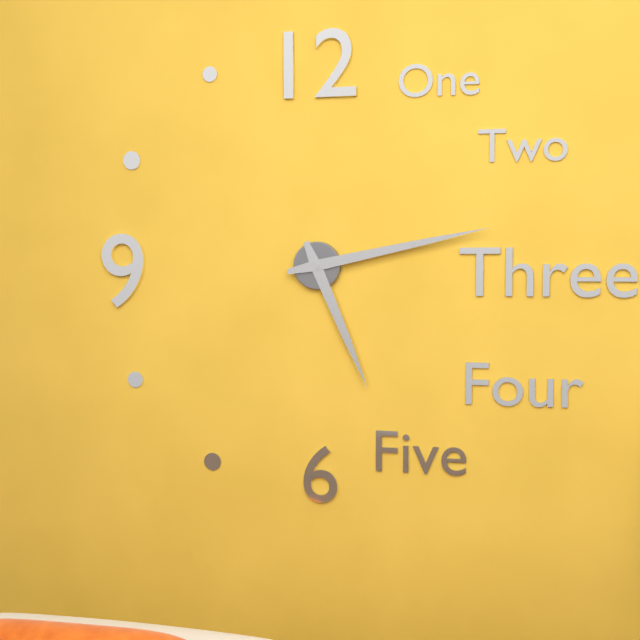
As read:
**5:13**
